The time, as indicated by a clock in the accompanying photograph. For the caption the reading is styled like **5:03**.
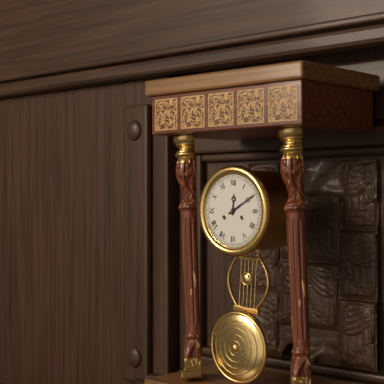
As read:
**12:10**
